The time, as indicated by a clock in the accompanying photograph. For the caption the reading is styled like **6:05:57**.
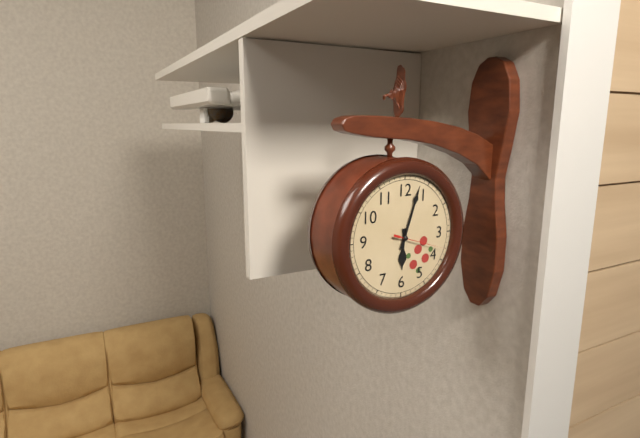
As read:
**6:03:18**
